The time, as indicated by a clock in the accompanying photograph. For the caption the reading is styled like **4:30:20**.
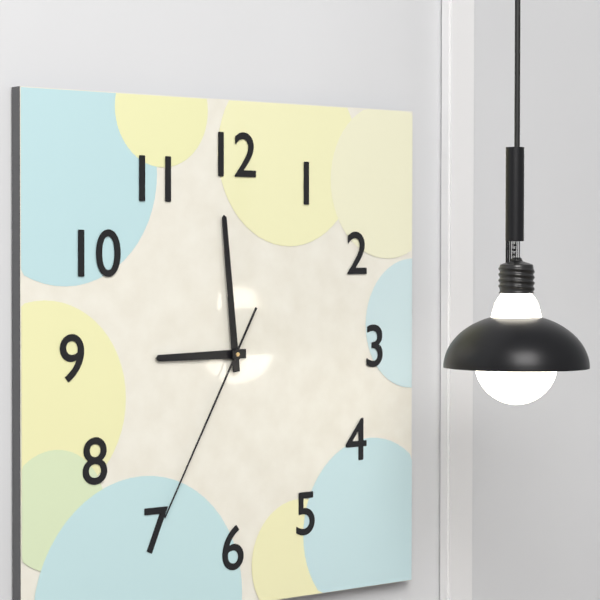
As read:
**8:59:35**
